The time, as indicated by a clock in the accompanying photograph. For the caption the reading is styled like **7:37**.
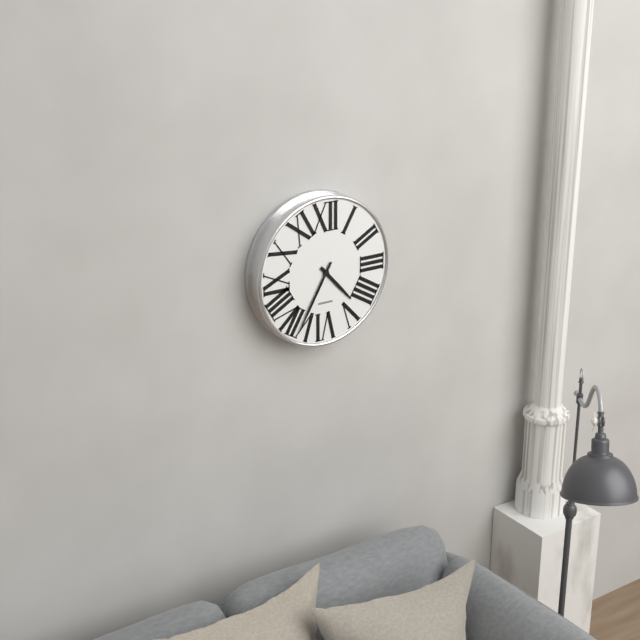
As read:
**4:35**
